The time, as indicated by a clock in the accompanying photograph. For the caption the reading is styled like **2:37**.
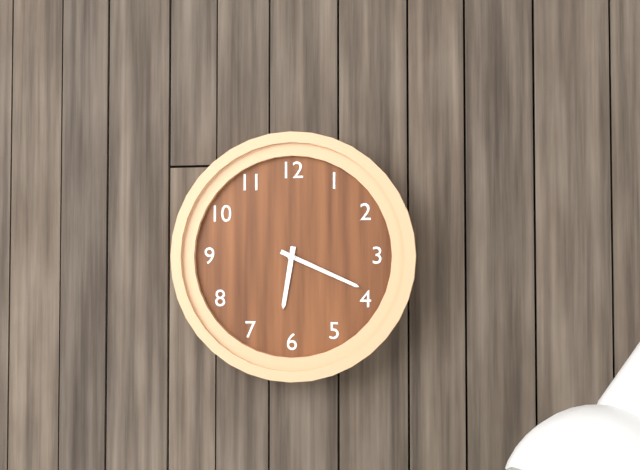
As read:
**6:19**
